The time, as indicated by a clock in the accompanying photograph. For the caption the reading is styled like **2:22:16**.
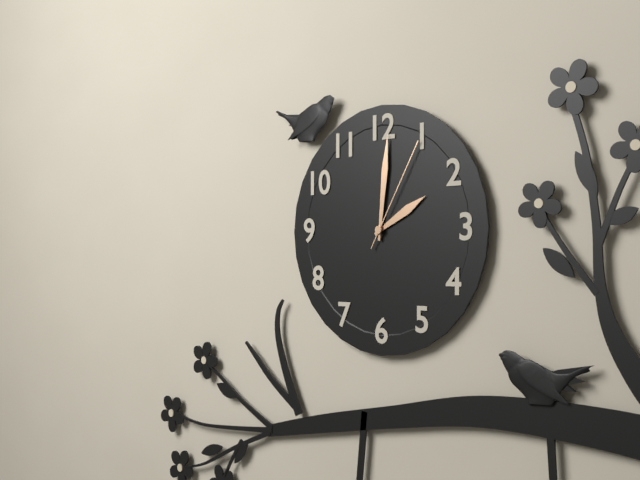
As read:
**2:01:05**
